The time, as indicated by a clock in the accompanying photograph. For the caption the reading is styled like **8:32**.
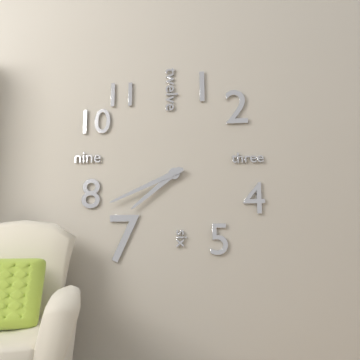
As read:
**7:41**
